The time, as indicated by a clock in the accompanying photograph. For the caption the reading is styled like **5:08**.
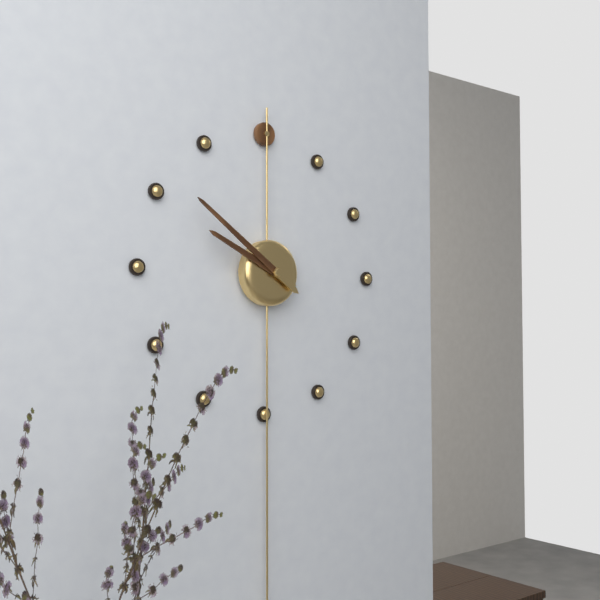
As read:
**9:51**
